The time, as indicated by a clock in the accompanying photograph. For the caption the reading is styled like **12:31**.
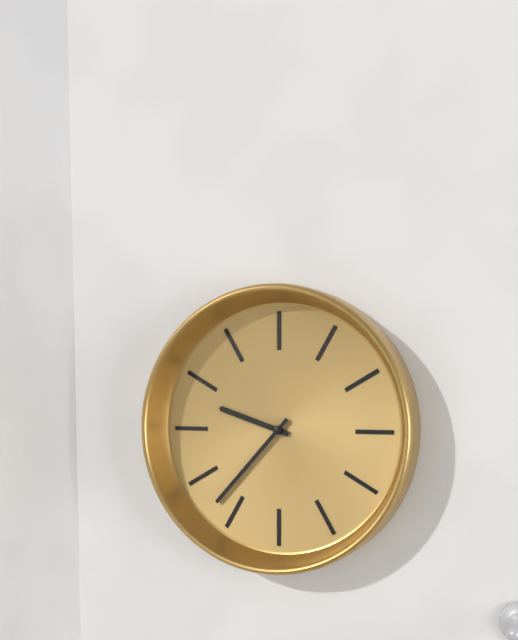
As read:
**9:37**
